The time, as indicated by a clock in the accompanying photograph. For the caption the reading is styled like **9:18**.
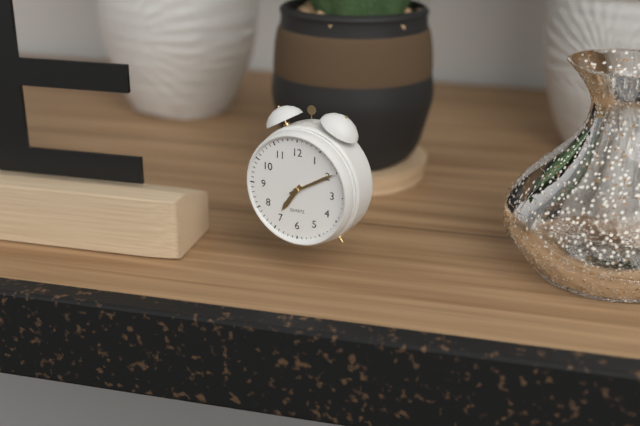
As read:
**7:10**
